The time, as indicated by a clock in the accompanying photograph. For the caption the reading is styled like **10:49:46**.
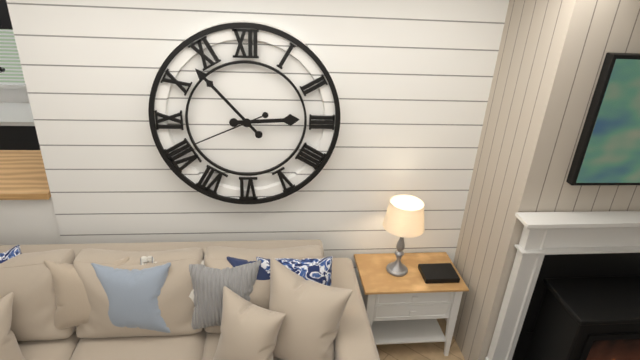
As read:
**2:53:41**
